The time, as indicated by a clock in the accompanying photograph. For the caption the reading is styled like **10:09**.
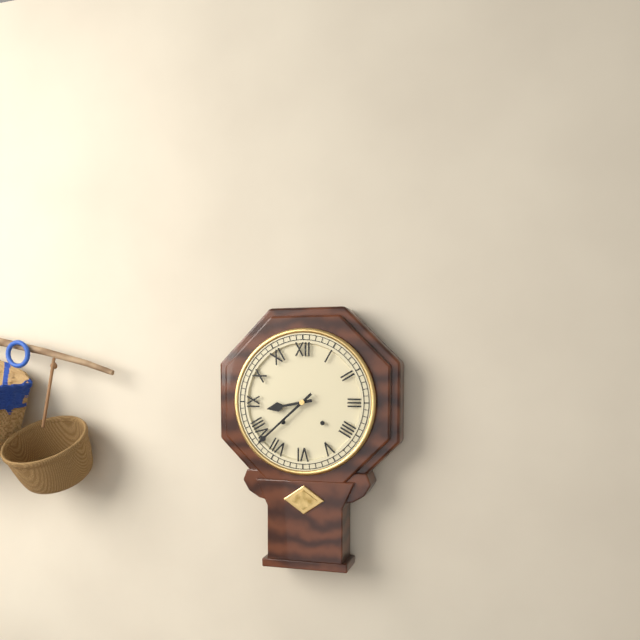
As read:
**8:38**
